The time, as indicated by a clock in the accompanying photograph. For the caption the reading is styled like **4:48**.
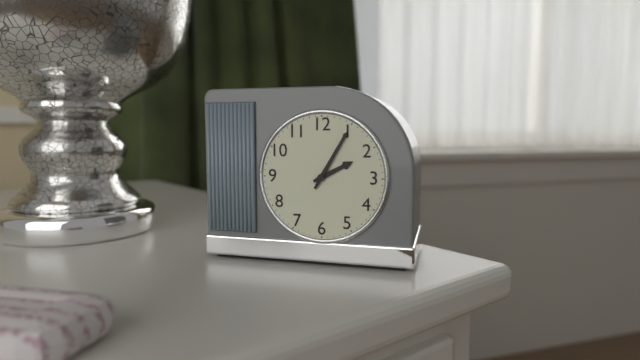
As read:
**2:05**
